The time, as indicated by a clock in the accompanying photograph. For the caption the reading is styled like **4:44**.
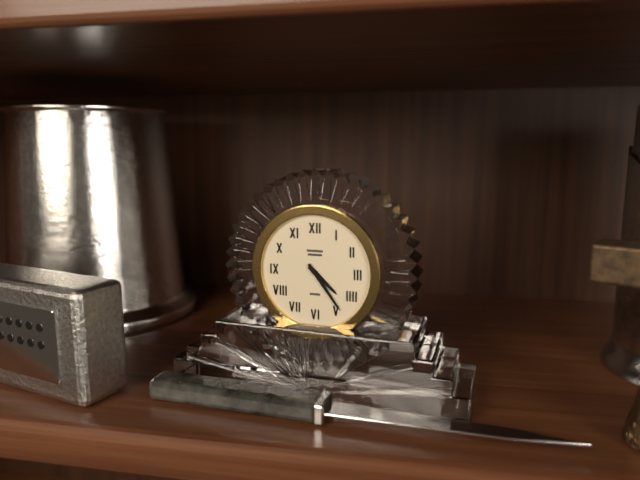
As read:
**4:24**
